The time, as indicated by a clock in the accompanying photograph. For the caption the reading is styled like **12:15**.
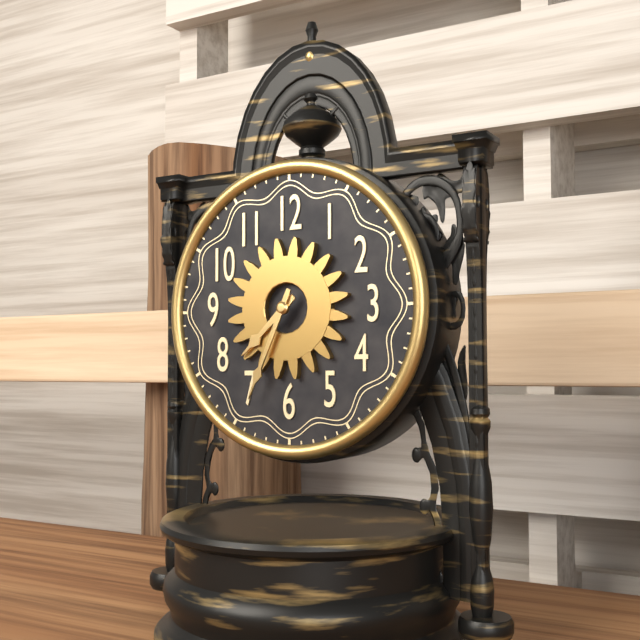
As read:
**7:34**
